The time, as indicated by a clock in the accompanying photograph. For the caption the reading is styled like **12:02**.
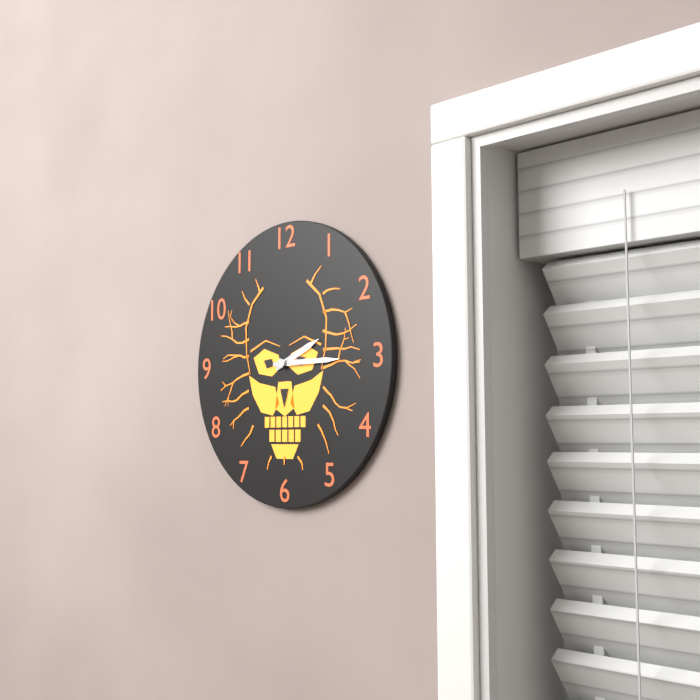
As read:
**2:15**
